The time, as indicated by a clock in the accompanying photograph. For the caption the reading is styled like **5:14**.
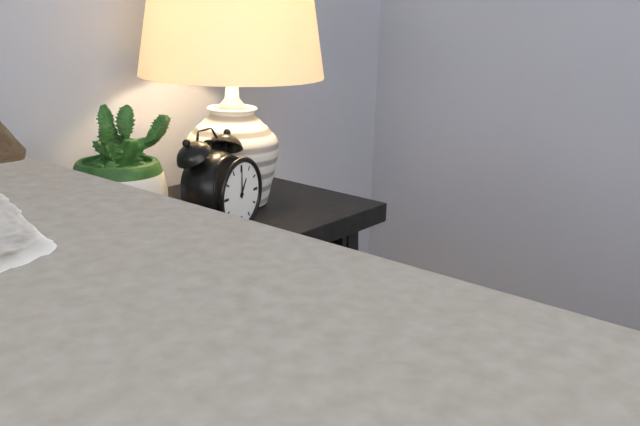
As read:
**1:00**
